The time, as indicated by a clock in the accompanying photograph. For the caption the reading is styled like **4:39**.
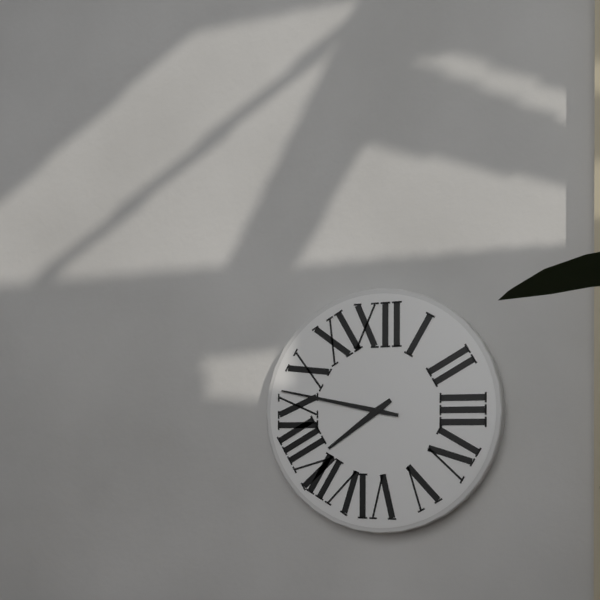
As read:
**7:47**
